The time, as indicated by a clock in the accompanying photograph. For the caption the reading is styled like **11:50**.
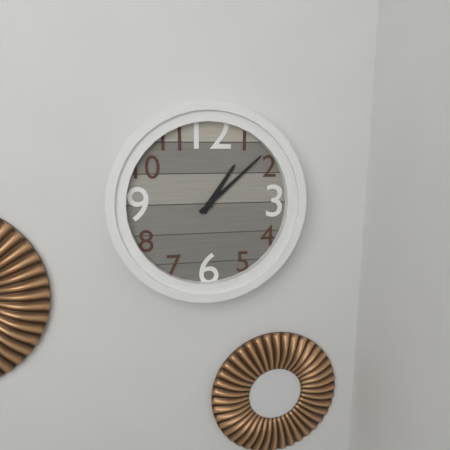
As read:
**1:08**
